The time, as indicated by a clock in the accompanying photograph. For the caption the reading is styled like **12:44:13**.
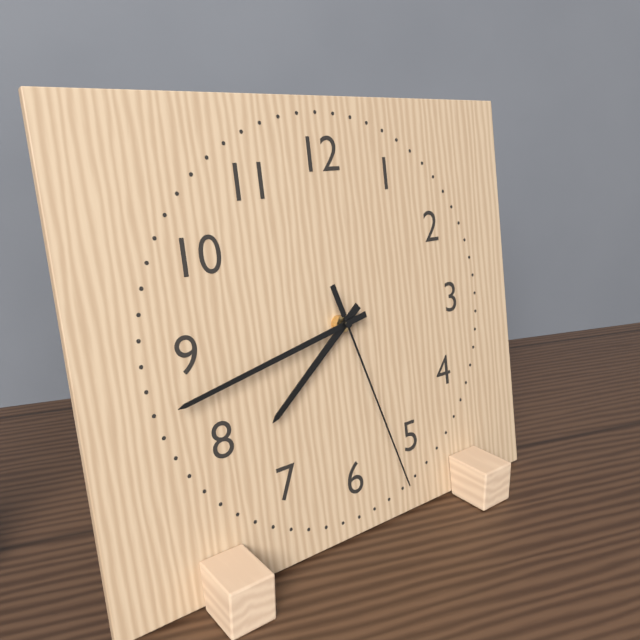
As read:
**7:43:27**
